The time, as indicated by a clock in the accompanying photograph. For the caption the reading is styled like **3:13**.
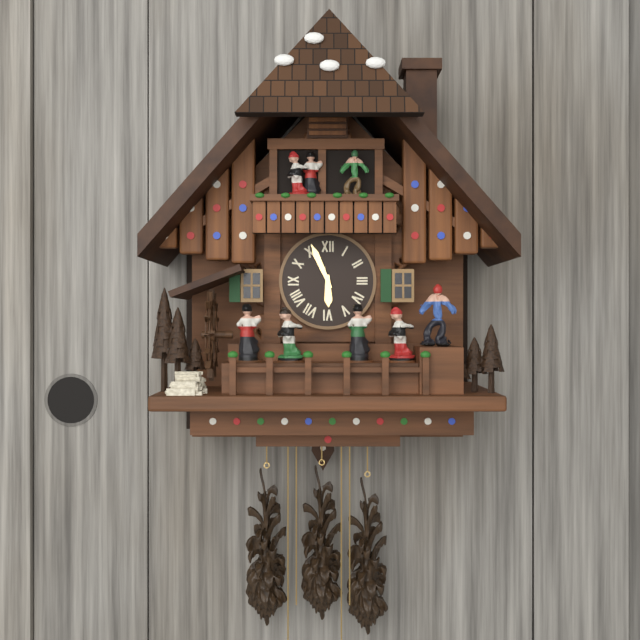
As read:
**5:56**
